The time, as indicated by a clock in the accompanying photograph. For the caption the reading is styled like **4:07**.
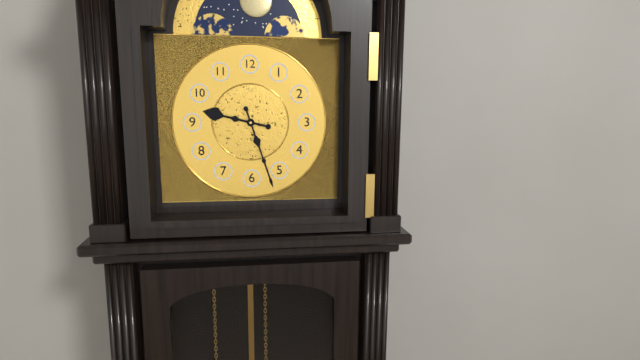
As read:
**9:27**
